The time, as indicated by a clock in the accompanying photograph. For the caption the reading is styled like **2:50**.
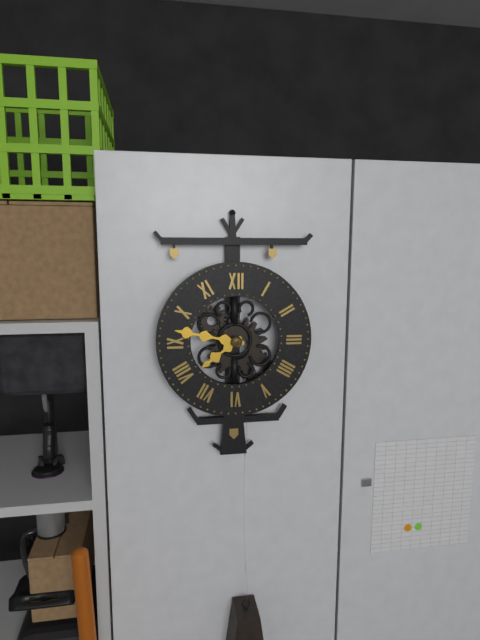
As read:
**7:47**
